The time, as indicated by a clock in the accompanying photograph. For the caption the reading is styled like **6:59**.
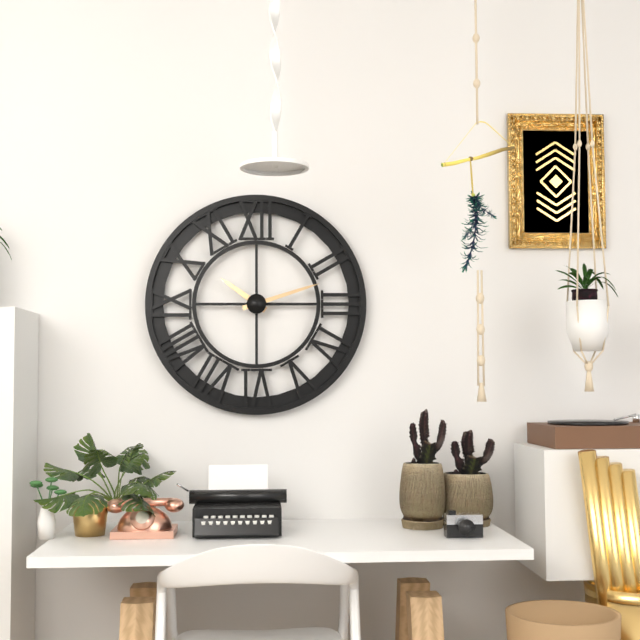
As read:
**10:12**
